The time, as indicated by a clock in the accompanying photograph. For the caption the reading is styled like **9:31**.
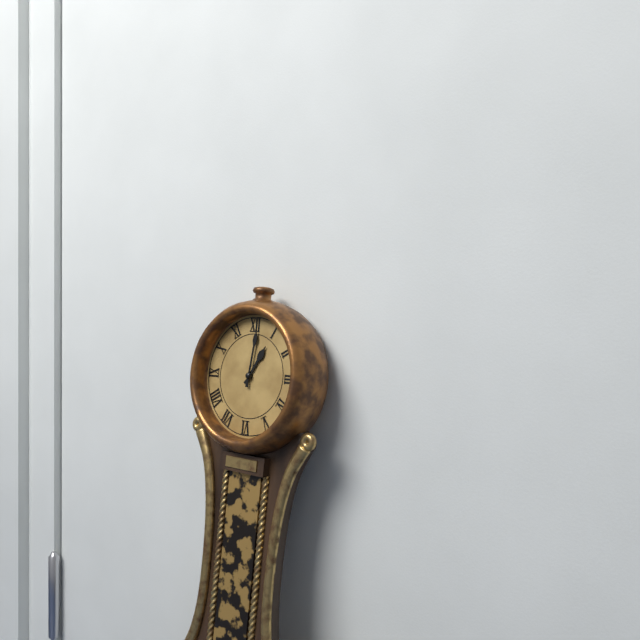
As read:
**1:01**
